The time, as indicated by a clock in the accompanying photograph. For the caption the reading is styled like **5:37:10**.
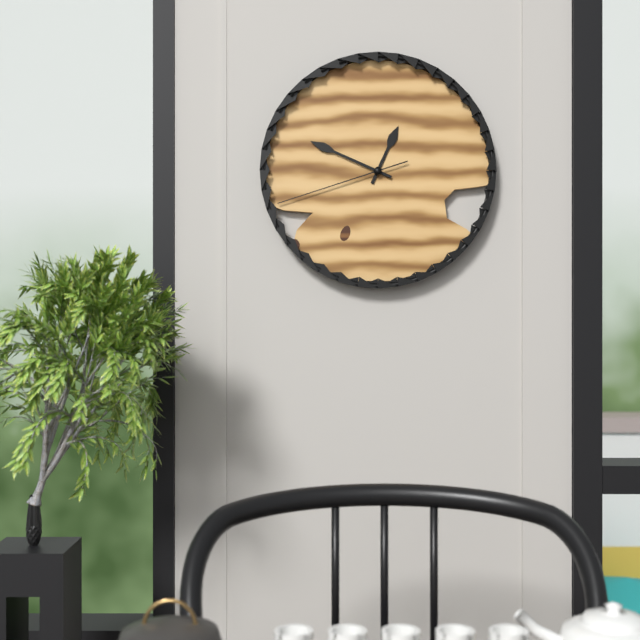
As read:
**12:49:42**
